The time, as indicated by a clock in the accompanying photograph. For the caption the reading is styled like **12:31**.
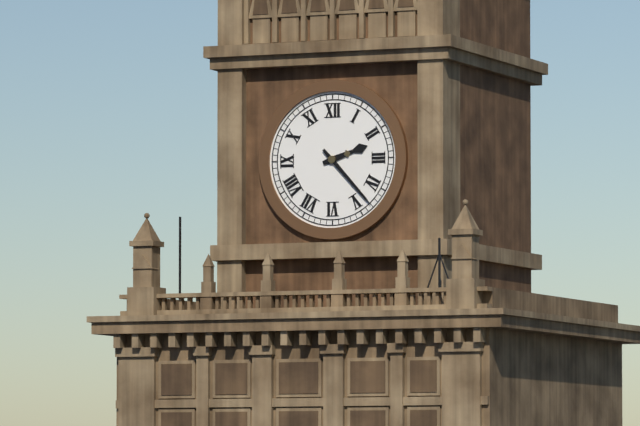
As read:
**2:23**
